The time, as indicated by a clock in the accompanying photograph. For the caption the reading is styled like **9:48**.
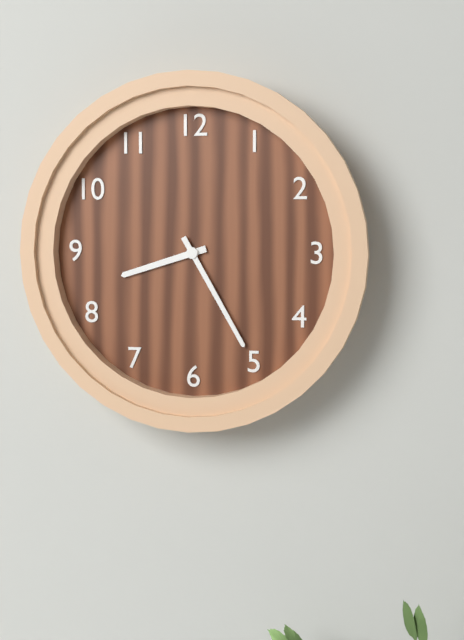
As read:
**8:25**
